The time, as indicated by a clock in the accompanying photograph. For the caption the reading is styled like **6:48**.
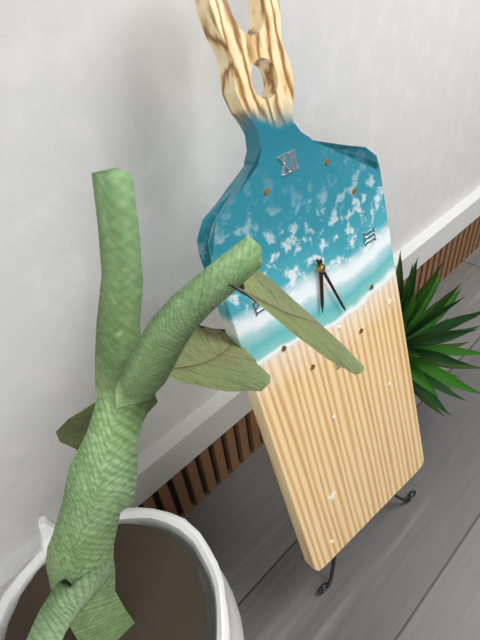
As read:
**6:27**
